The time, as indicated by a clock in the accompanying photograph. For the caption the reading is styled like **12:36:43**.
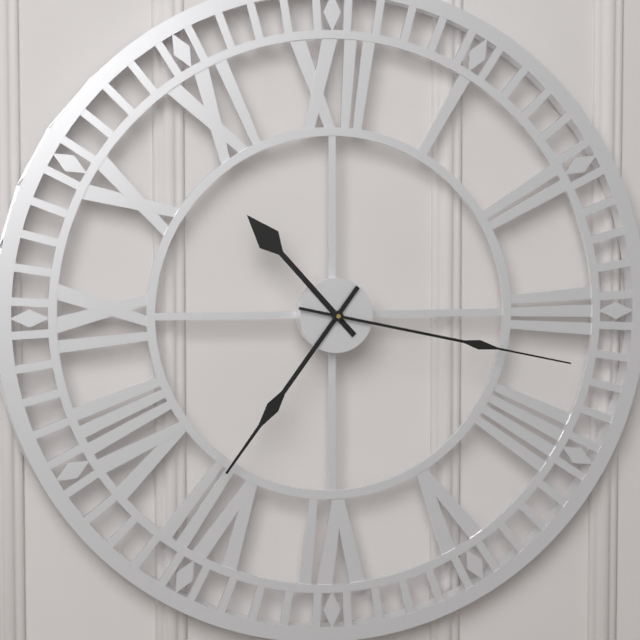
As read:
**10:36:17**
